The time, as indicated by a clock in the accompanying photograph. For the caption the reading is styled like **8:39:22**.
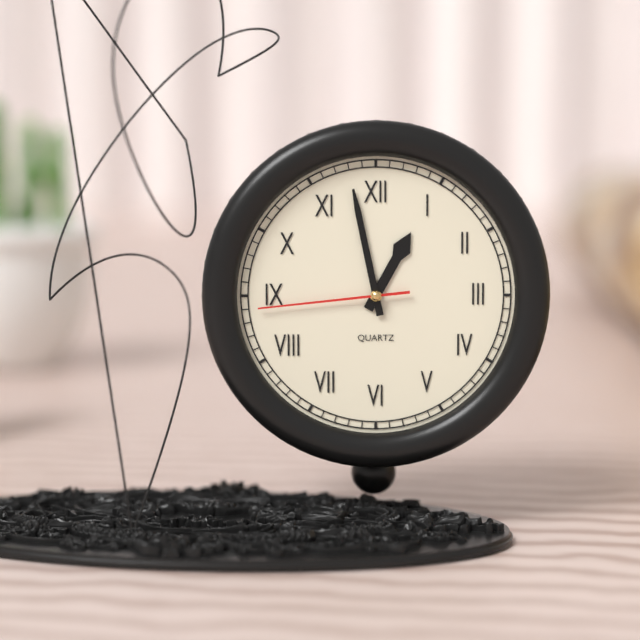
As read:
**12:58:44**
